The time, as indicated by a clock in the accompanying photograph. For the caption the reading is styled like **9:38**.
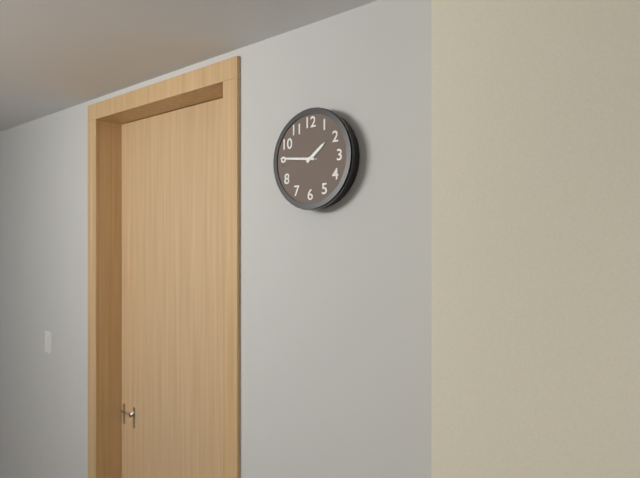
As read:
**1:46**
